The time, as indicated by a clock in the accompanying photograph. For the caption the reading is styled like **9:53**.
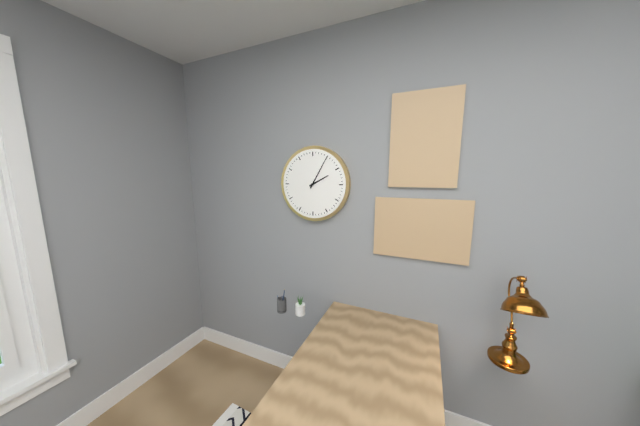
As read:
**2:05**
